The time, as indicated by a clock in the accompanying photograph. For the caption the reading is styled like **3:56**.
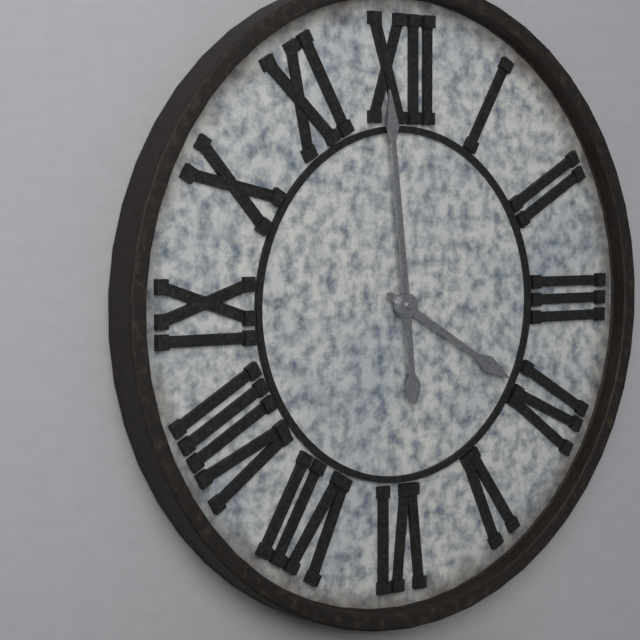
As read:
**3:59**
